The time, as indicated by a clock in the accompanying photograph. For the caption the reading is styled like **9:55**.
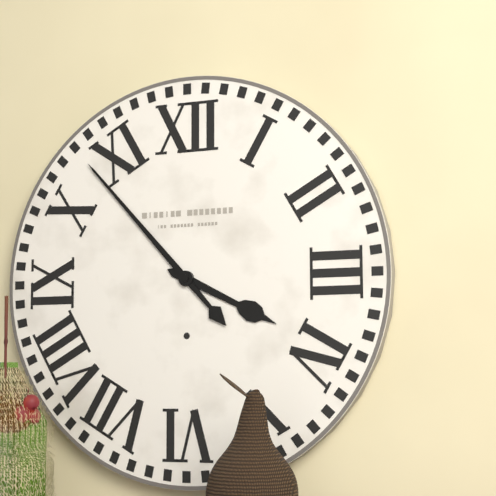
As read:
**3:53**
